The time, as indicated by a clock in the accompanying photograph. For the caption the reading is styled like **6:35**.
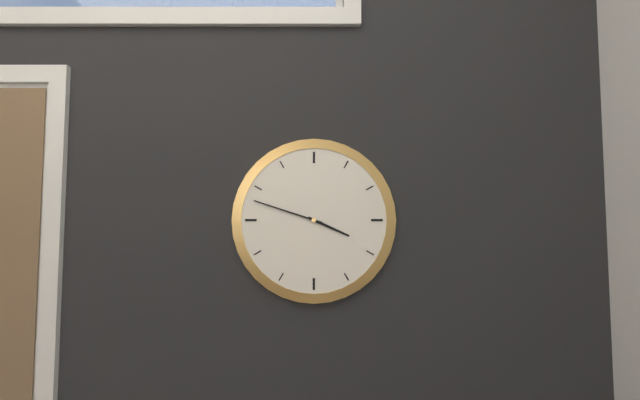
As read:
**3:48**
